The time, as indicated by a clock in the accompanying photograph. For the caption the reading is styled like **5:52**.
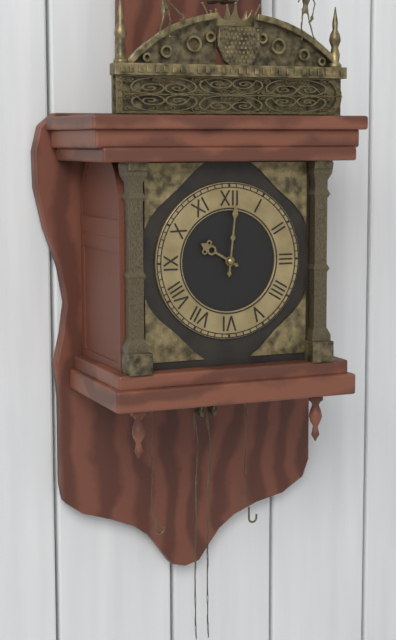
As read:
**10:01**
